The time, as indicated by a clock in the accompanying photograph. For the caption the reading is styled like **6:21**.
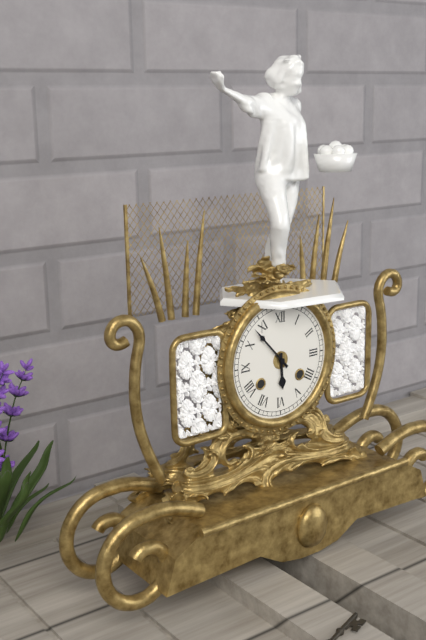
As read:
**5:53**
